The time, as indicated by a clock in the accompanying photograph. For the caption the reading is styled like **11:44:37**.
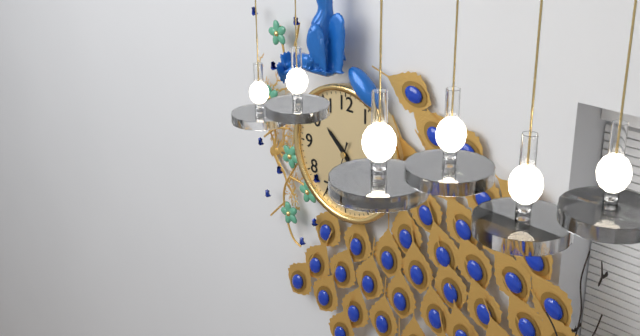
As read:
**10:23:33**
